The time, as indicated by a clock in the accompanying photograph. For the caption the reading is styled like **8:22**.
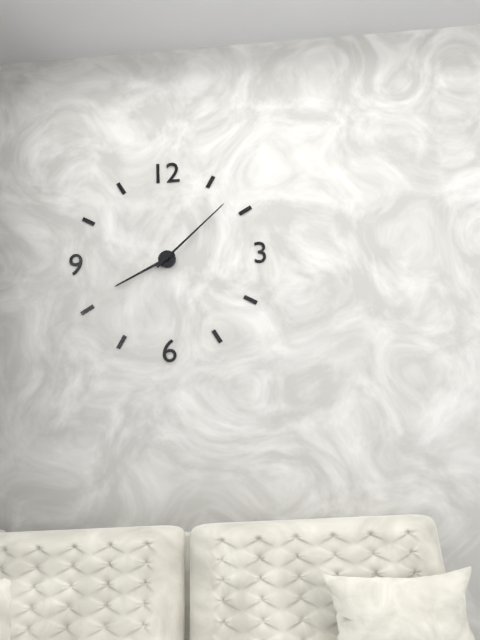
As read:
**8:08**
